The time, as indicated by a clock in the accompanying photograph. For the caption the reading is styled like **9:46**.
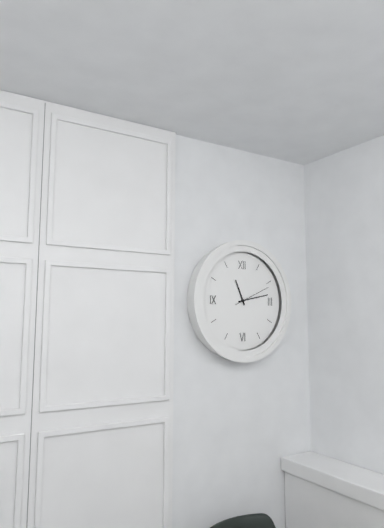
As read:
**11:13**
